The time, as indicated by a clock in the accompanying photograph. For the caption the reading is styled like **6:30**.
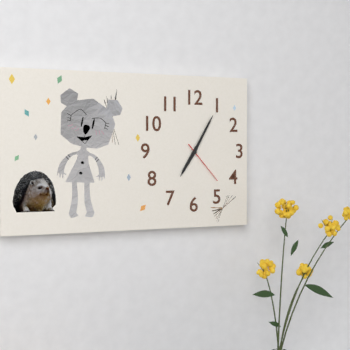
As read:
**7:05**
